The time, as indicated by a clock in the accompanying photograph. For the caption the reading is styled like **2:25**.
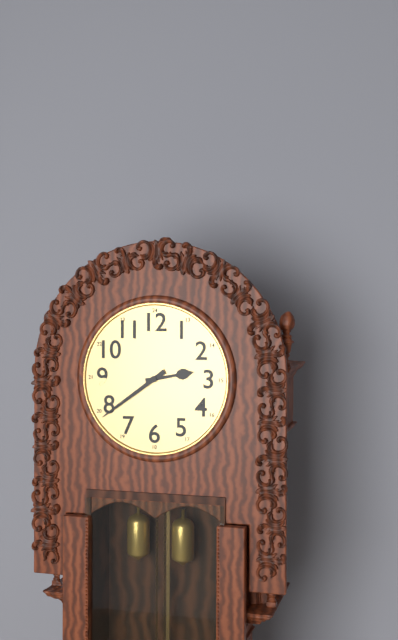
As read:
**2:39**
